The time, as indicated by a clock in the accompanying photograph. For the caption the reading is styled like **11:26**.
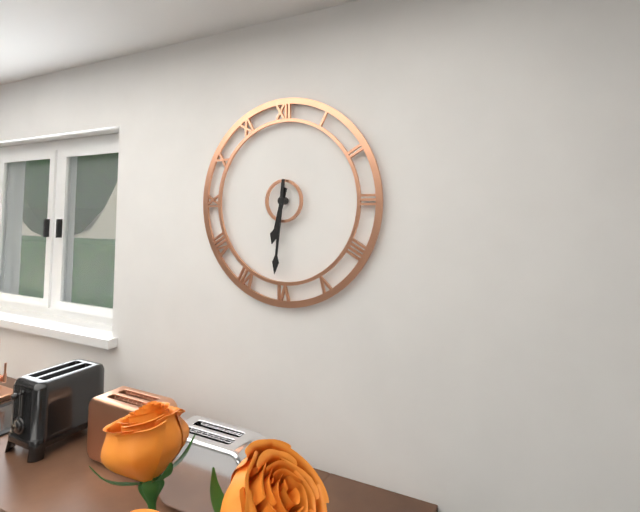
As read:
**6:31**
